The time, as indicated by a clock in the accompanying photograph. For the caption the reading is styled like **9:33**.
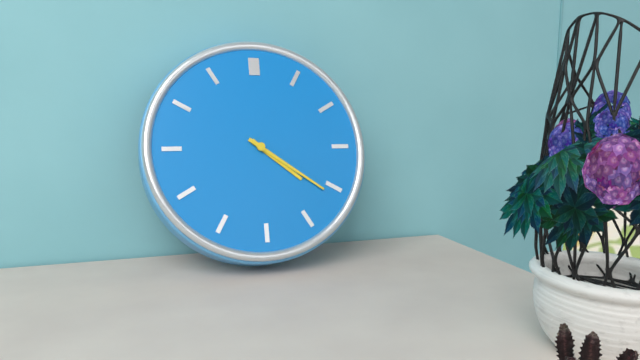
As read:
**4:21**
